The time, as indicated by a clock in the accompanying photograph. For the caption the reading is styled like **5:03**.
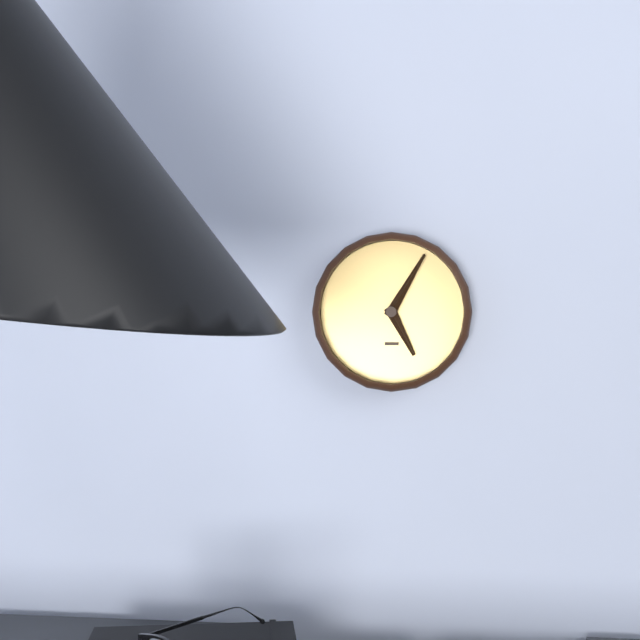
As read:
**5:05**
